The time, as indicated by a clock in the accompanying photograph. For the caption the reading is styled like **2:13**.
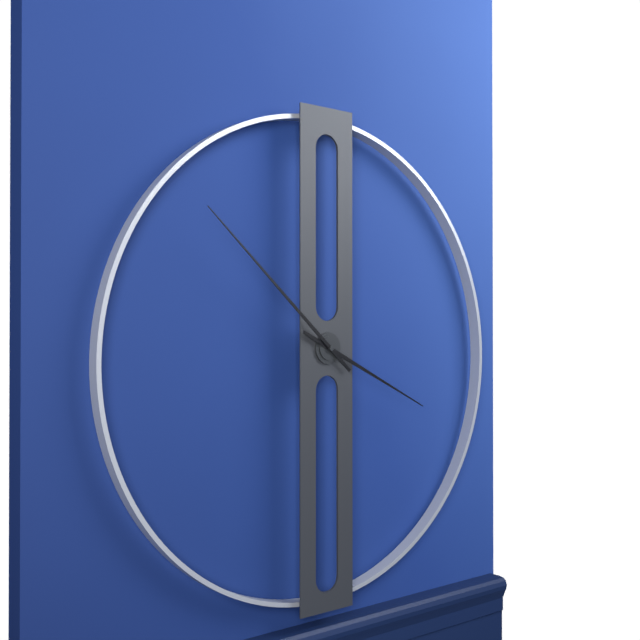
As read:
**3:52**
